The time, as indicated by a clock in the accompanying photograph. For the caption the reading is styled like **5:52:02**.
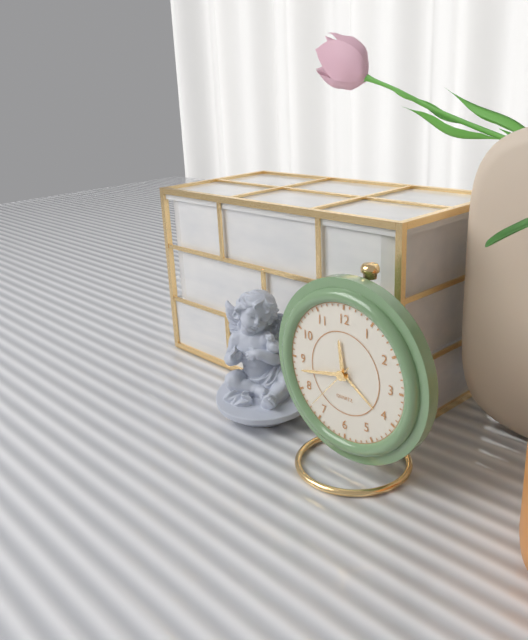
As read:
**11:43:37**
